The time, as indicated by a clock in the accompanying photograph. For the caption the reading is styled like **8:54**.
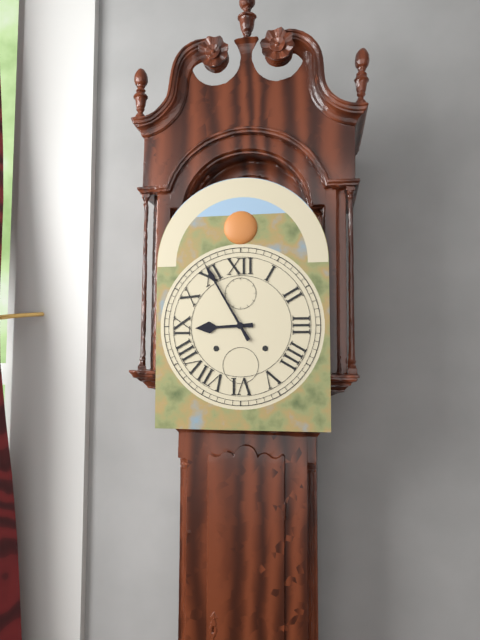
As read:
**8:55**
